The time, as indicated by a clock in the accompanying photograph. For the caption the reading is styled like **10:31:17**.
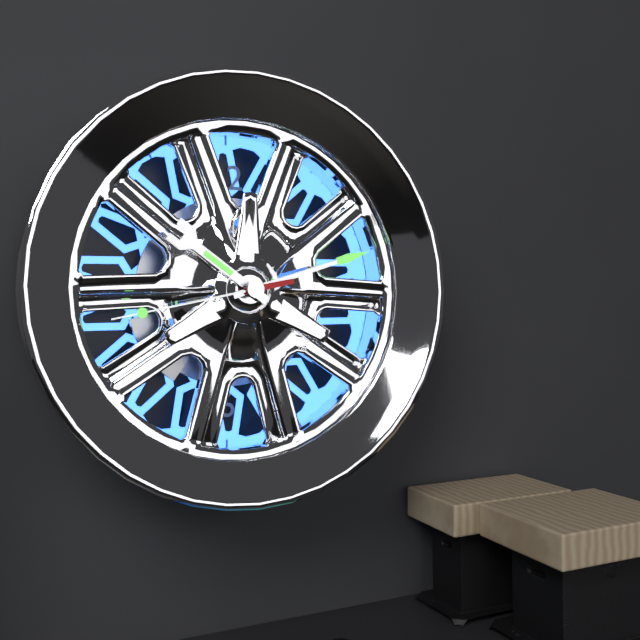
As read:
**10:12:43**
